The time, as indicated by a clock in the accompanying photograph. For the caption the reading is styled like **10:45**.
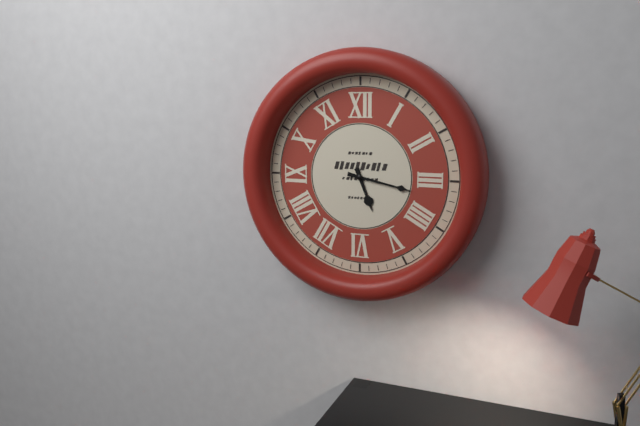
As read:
**5:17**
